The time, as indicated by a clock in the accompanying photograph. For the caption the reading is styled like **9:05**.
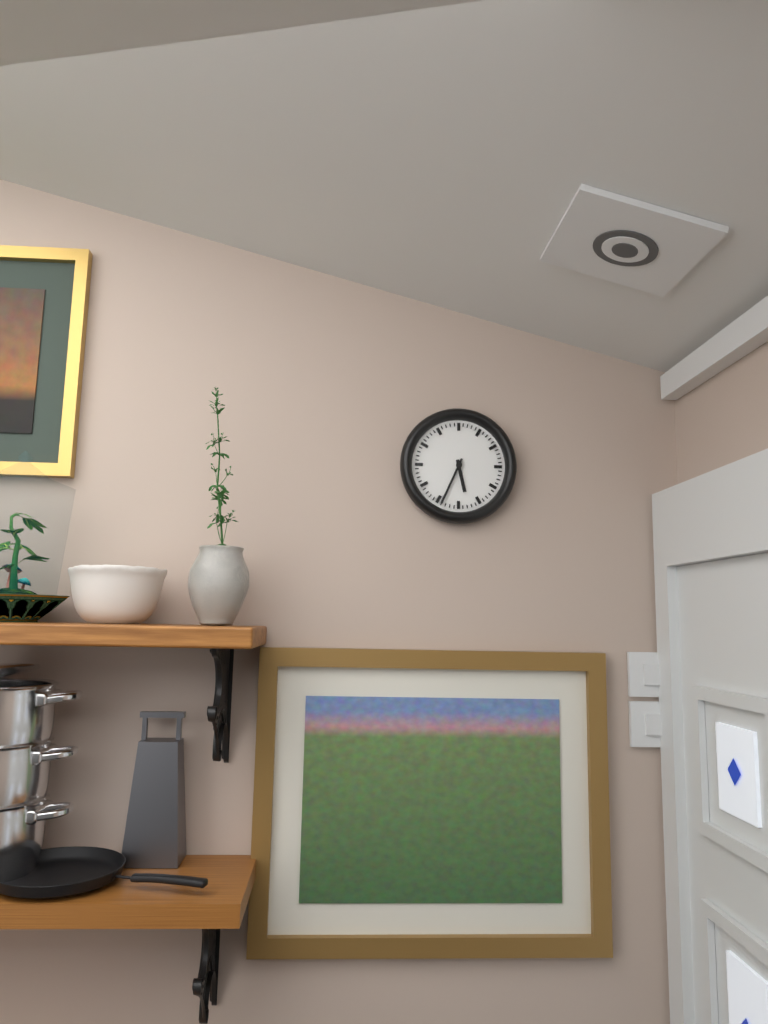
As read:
**5:34**
